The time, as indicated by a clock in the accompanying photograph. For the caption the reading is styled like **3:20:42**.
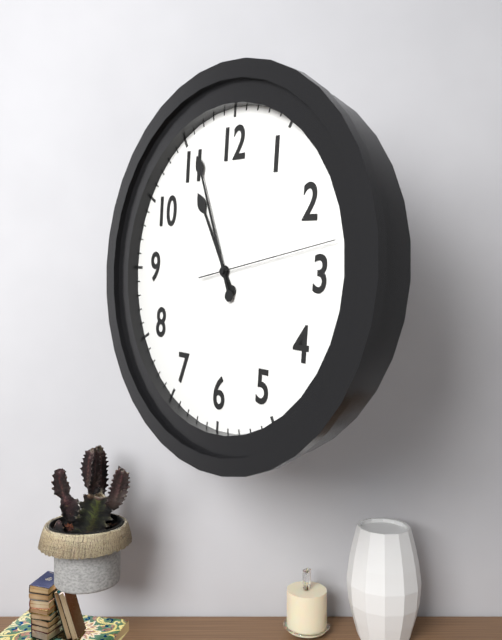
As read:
**10:56:13**
